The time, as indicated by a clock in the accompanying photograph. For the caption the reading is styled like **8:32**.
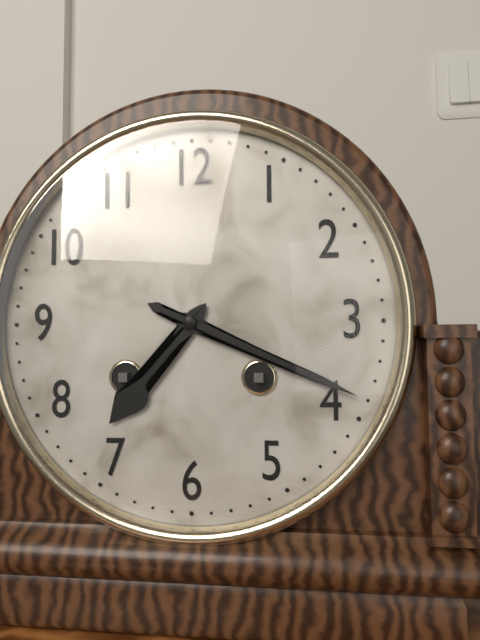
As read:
**7:19**
